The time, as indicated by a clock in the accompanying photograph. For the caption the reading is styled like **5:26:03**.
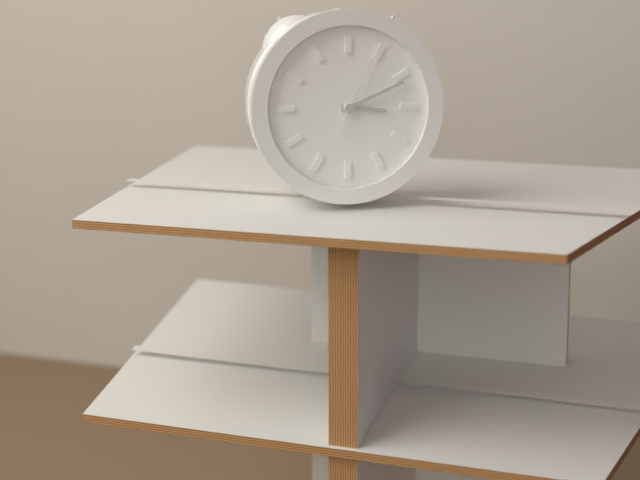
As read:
**3:11:04**
